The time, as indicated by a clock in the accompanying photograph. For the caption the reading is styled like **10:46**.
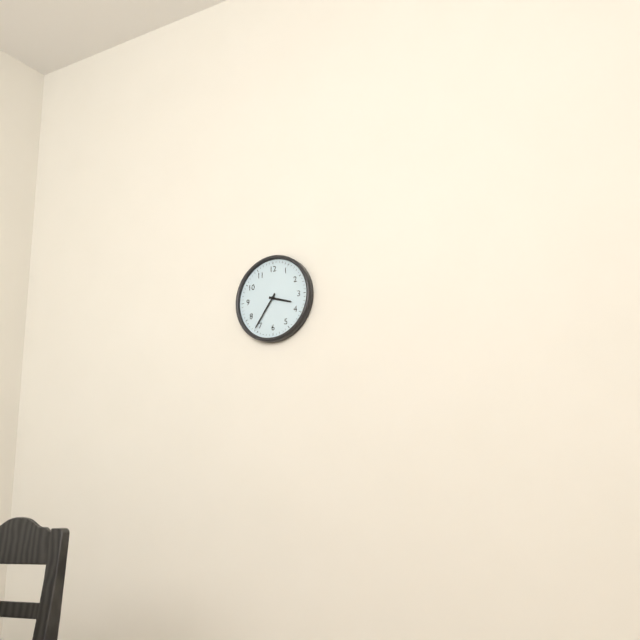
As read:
**3:36**
